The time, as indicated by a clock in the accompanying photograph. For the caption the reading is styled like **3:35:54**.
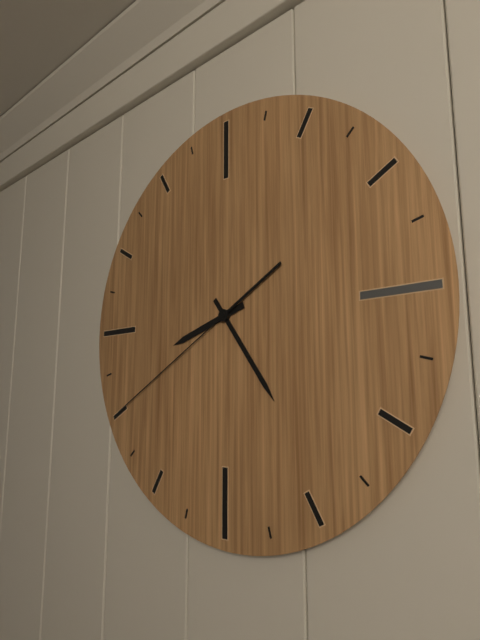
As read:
**8:24:40**
